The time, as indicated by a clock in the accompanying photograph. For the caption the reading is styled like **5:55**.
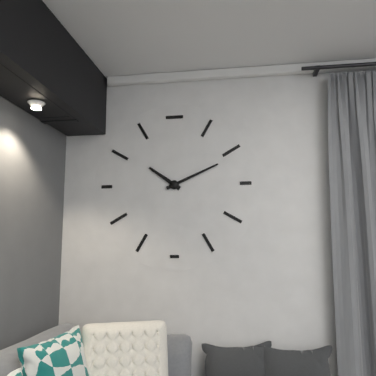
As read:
**10:11**
